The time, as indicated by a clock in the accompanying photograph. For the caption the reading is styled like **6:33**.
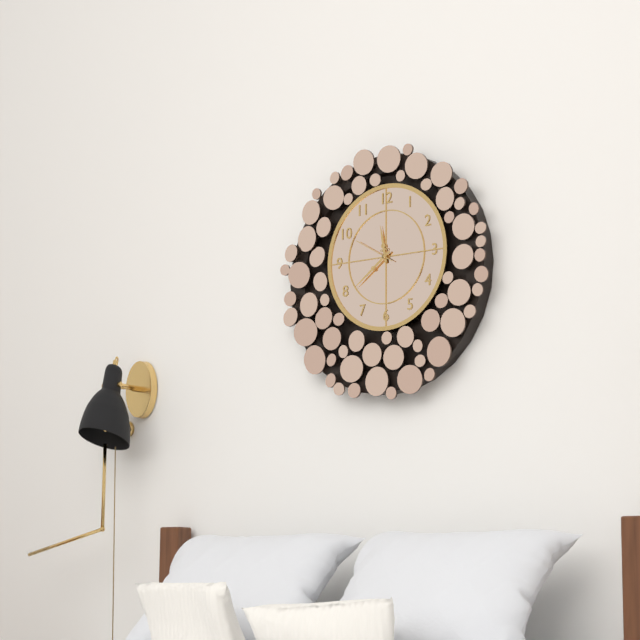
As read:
**11:39**
